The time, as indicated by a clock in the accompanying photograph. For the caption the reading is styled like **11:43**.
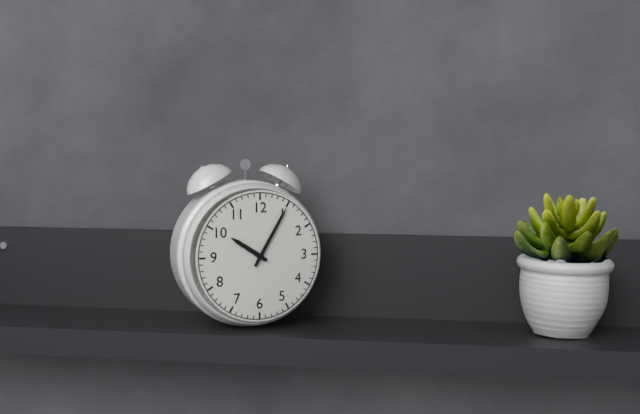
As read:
**10:05**
